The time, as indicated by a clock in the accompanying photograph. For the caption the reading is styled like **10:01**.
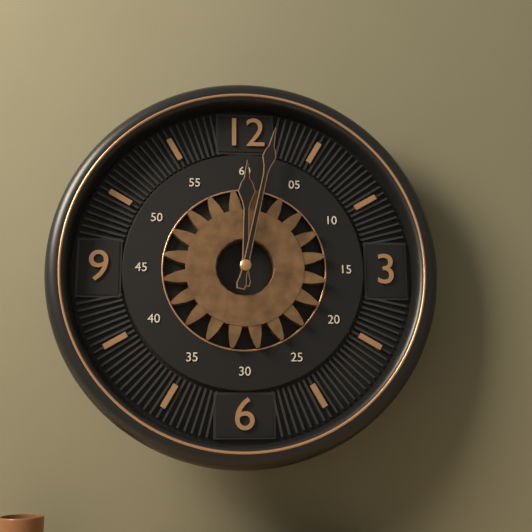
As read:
**12:02**
